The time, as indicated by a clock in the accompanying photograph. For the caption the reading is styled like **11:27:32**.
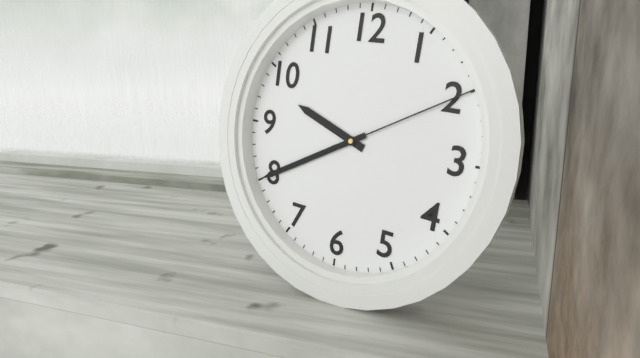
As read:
**9:40:10**
